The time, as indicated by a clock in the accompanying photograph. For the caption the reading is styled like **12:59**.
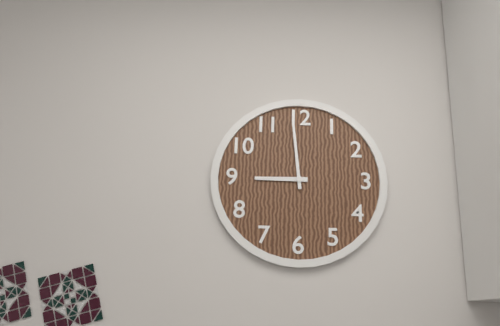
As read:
**8:59**
